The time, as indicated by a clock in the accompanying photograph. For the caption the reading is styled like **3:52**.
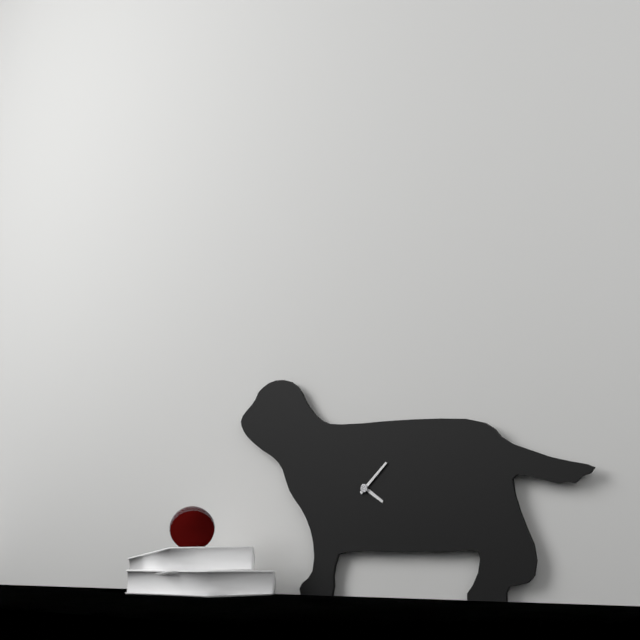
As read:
**4:08**
